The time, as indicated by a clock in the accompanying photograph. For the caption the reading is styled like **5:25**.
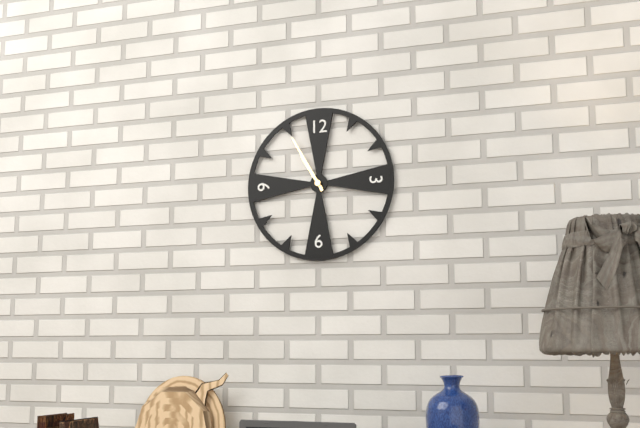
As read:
**10:55**
